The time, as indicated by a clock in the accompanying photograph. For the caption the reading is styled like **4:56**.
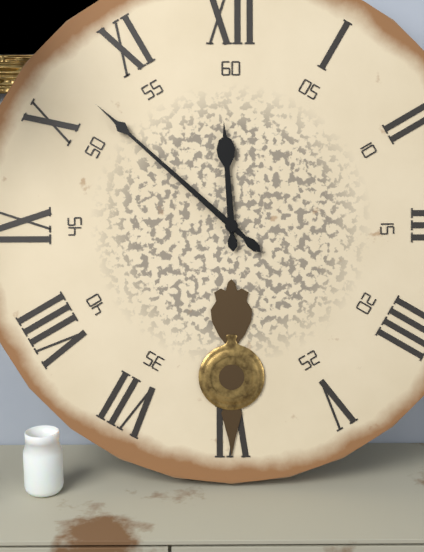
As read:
**11:52**
